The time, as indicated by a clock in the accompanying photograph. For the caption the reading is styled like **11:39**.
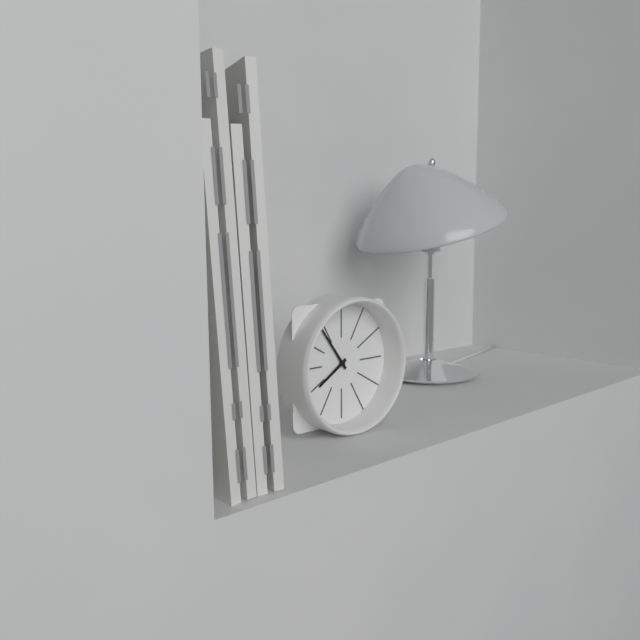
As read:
**7:54**
